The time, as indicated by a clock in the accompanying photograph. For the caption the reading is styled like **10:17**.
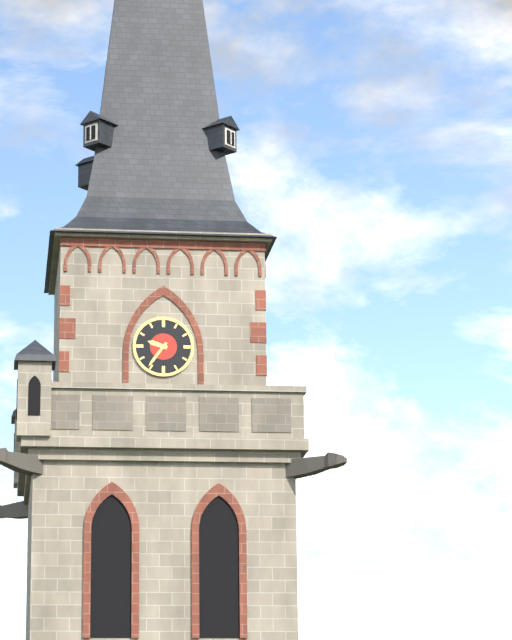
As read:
**9:36**
